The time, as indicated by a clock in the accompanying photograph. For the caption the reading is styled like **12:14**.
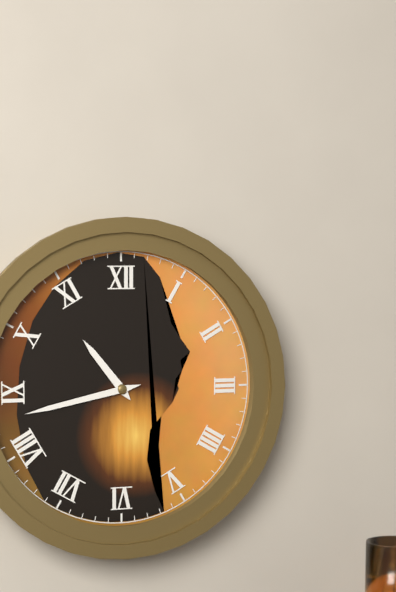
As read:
**10:43**
